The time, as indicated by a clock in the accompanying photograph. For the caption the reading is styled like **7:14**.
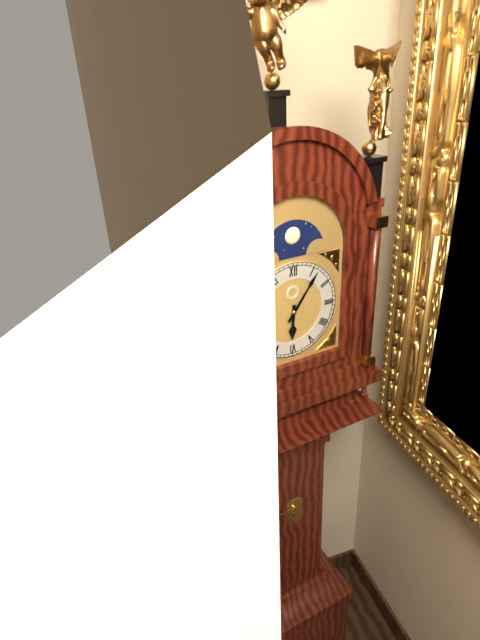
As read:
**6:06**
